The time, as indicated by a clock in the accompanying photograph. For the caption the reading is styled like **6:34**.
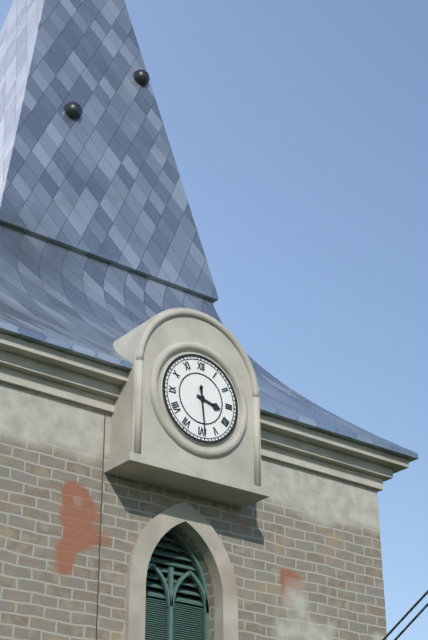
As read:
**3:29**
